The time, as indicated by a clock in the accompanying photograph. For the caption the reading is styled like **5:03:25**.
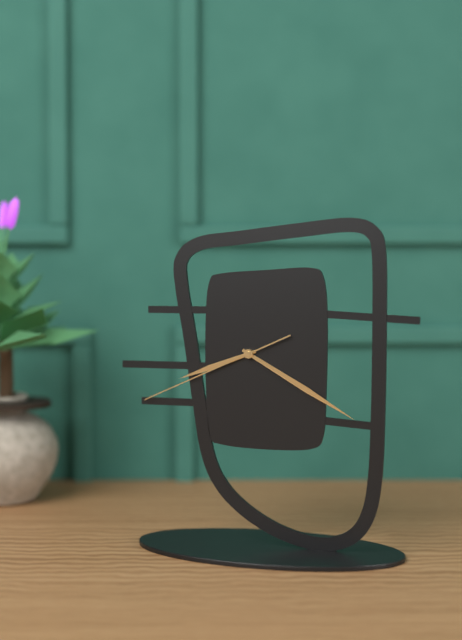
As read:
**8:20:41**
